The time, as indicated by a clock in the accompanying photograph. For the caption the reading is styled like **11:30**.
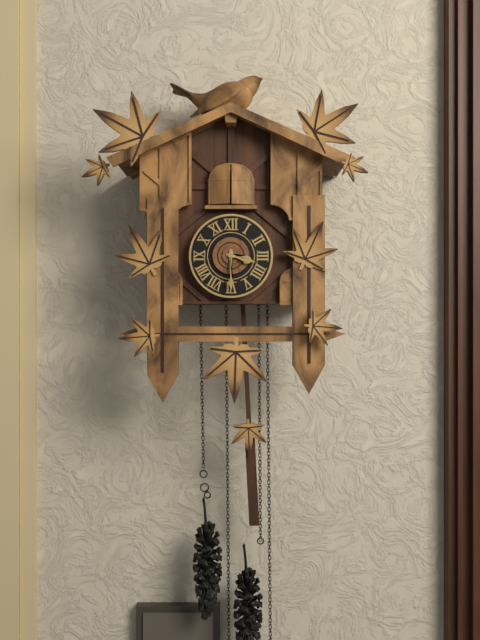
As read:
**3:30**
